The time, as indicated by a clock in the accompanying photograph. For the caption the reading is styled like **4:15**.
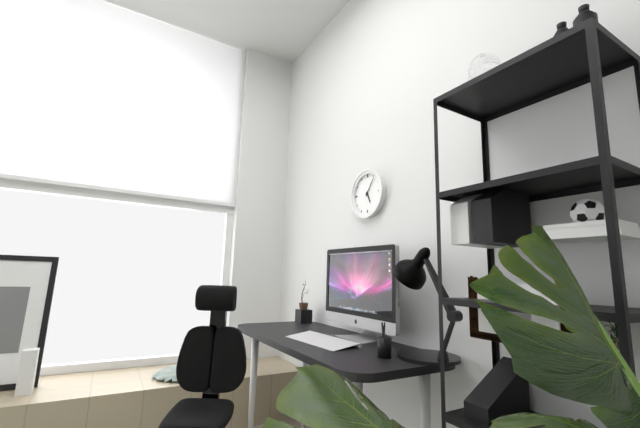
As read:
**5:06**
